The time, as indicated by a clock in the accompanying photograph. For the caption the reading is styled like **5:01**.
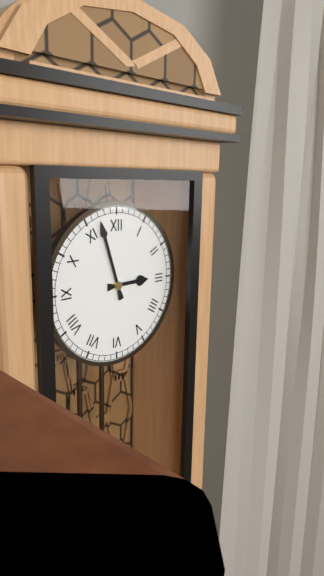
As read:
**2:57**
